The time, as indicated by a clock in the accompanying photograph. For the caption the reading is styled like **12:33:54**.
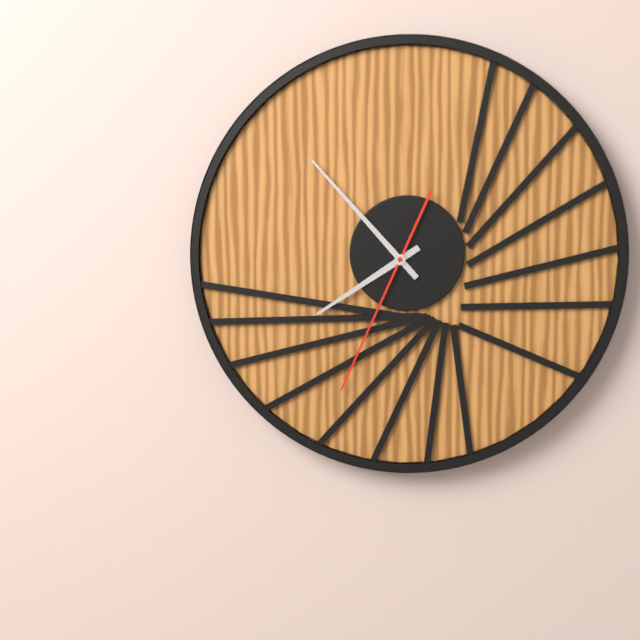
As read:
**7:53:34**
